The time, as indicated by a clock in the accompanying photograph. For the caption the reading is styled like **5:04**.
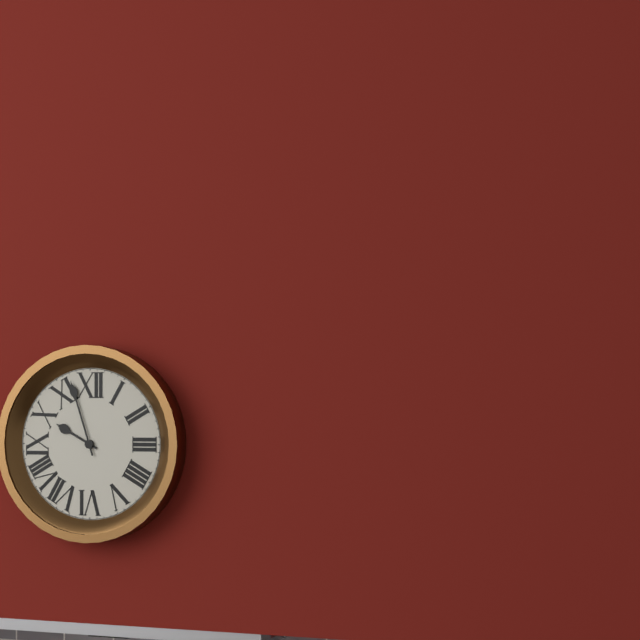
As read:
**9:57**
